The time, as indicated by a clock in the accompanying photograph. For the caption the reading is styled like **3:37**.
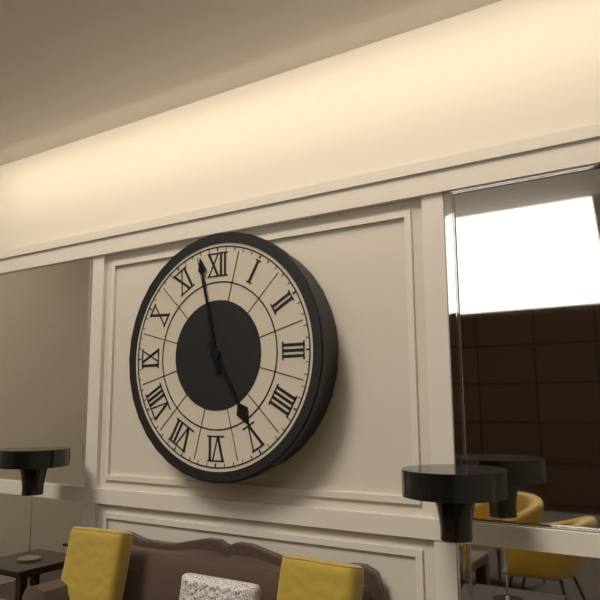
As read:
**4:58**
